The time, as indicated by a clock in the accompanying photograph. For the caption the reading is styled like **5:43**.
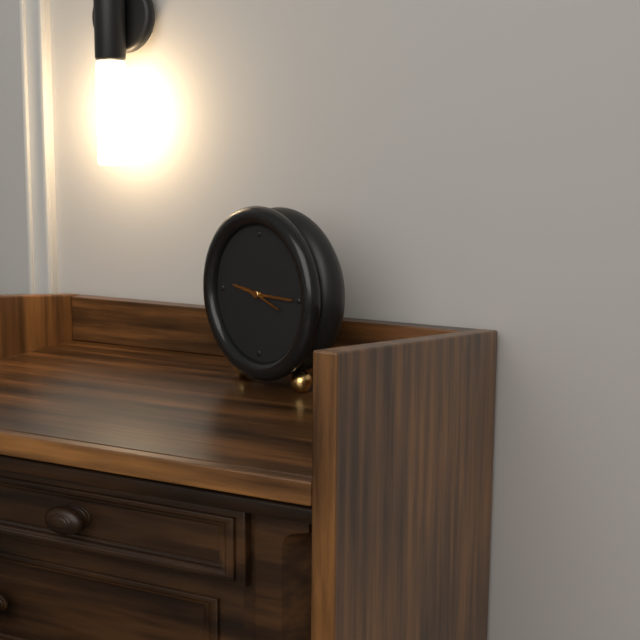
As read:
**9:15**
